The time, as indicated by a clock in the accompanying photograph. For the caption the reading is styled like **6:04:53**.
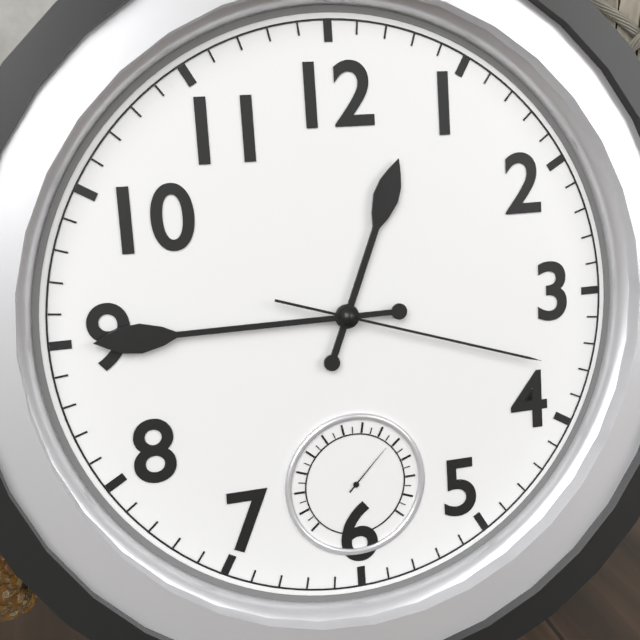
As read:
**12:45:18**
